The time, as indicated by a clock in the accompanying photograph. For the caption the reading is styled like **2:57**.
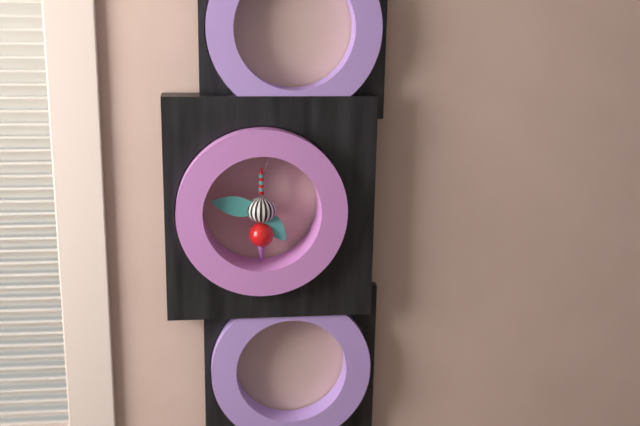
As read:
**4:47**
